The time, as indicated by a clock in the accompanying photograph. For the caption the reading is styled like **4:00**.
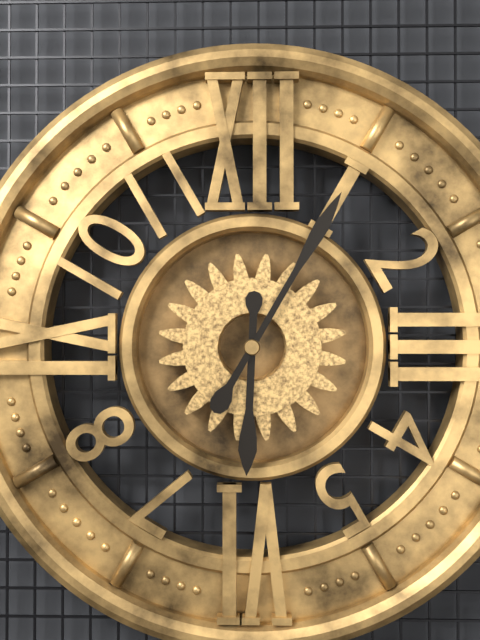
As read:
**6:05**
